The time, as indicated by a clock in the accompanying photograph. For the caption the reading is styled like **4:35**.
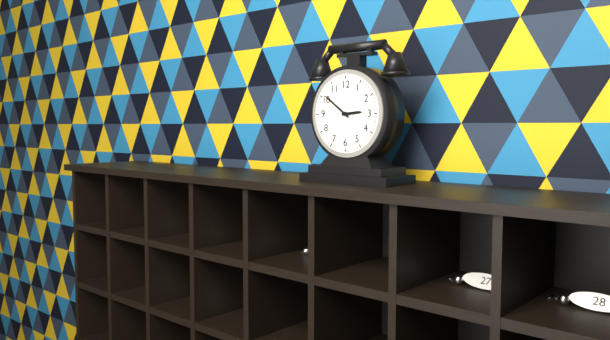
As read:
**2:51**
